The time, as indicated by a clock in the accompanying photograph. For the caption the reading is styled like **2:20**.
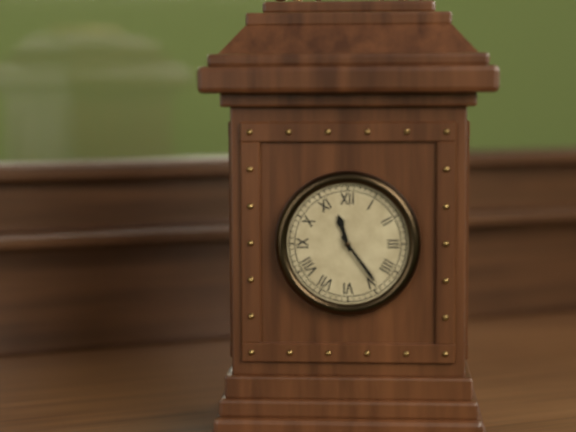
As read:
**11:24**
